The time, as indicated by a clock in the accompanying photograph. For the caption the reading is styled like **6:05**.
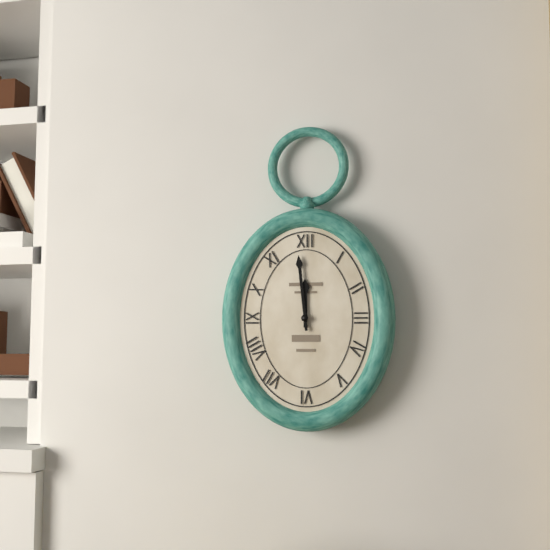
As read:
**11:59**
